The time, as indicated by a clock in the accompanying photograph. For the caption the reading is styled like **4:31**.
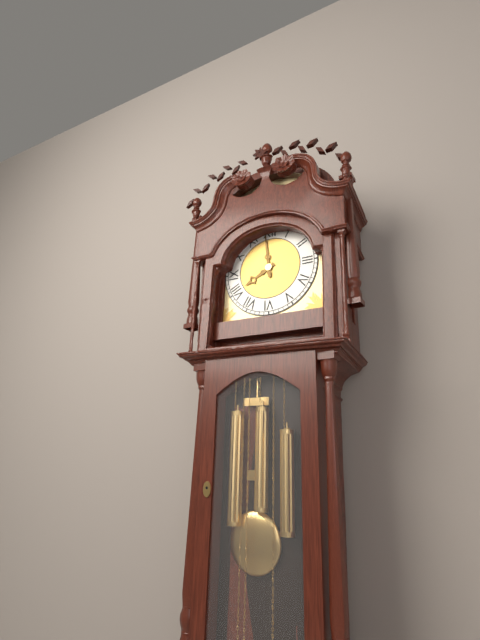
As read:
**7:59**
